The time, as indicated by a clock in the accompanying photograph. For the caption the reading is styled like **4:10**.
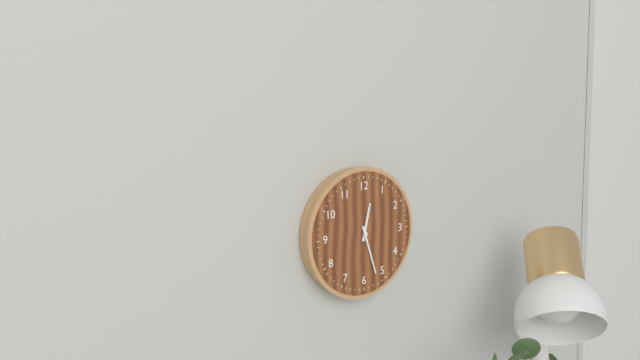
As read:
**12:27**
